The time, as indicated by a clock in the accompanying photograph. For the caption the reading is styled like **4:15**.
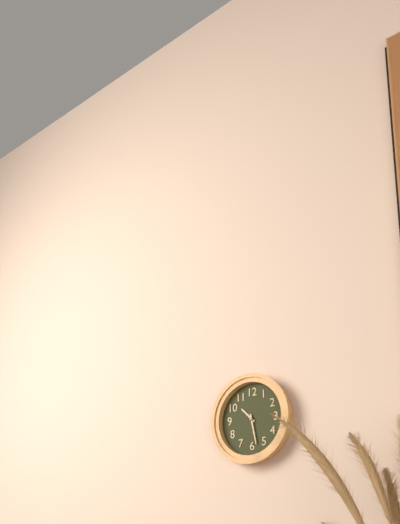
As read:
**10:28**
